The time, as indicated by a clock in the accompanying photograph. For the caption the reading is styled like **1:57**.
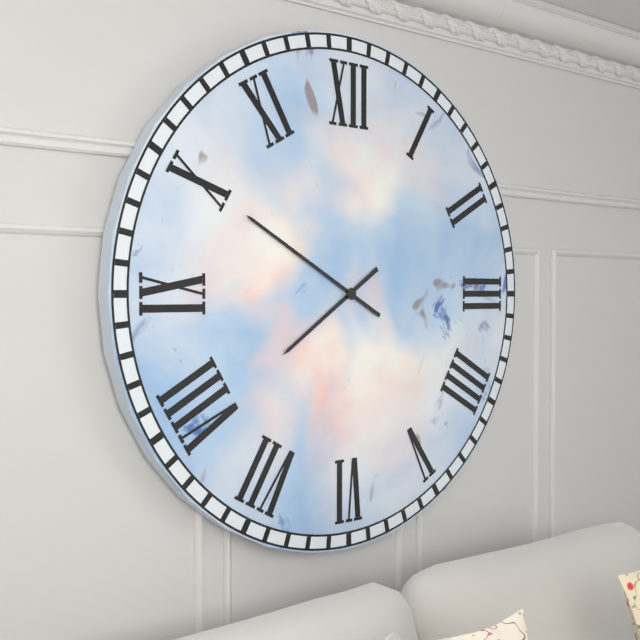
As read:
**7:50**
